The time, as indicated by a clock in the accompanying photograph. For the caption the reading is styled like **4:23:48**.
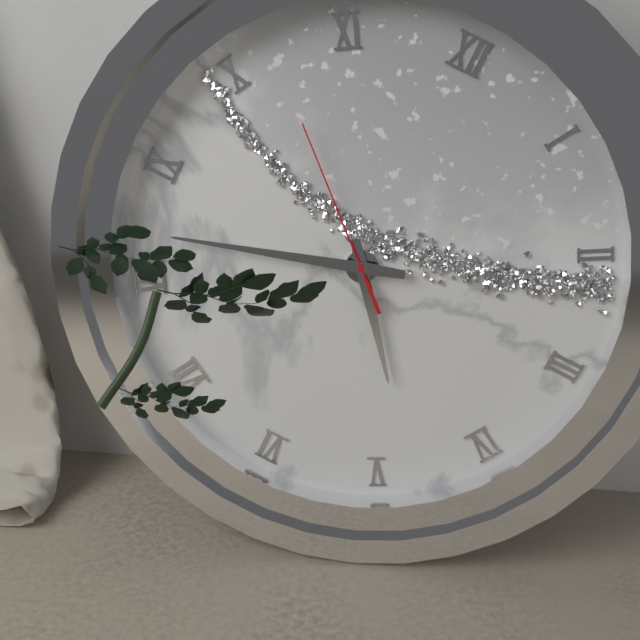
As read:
**4:42:52**
